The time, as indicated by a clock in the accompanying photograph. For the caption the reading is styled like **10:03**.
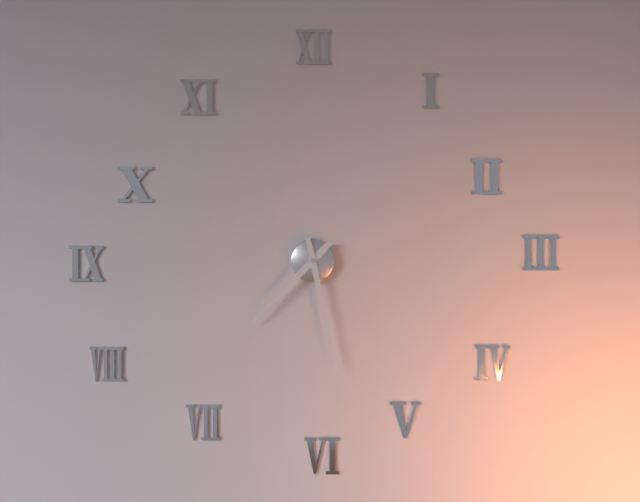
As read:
**7:28**
